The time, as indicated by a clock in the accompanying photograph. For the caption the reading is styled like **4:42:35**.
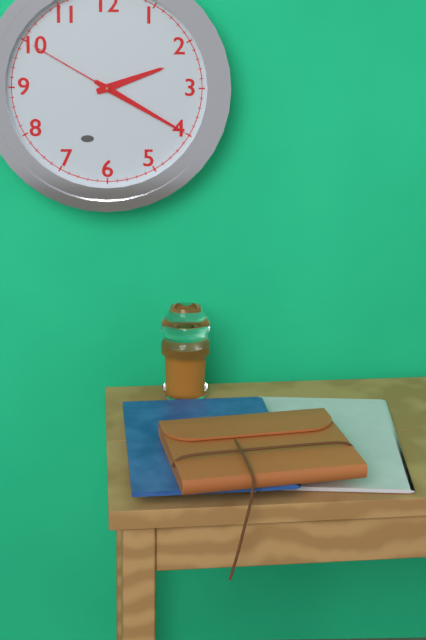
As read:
**2:20:50**
